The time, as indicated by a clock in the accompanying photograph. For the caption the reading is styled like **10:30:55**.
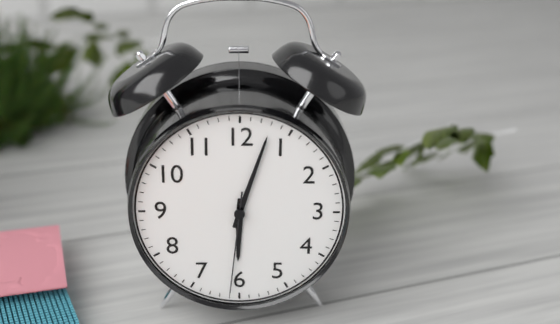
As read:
**6:03:31**
